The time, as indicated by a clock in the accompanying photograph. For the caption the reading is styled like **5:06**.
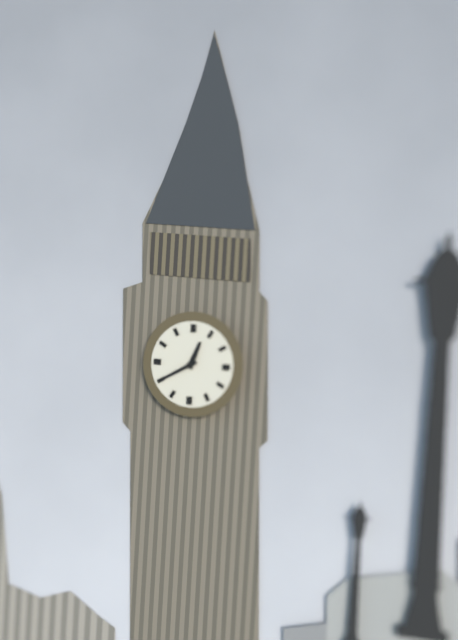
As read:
**12:40**
